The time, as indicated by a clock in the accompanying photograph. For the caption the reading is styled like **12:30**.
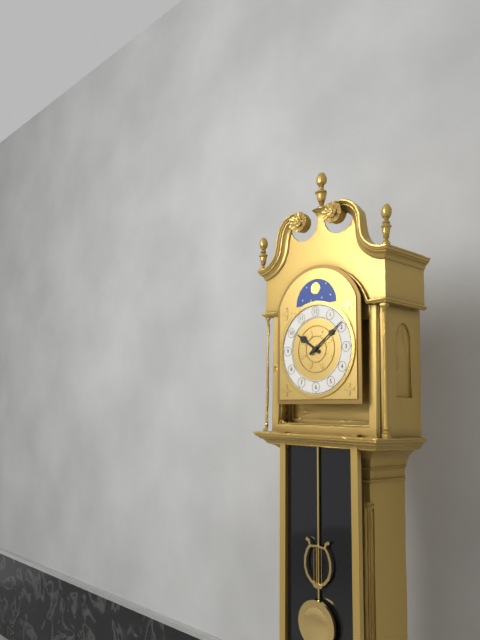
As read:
**10:09**
